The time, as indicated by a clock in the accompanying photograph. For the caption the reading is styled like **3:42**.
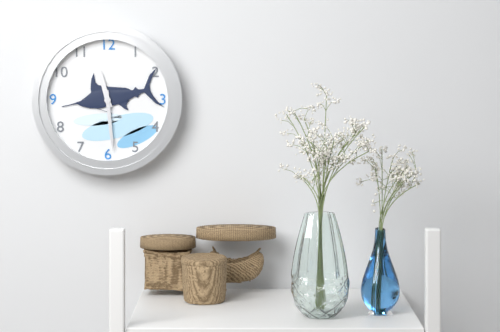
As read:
**11:29**
